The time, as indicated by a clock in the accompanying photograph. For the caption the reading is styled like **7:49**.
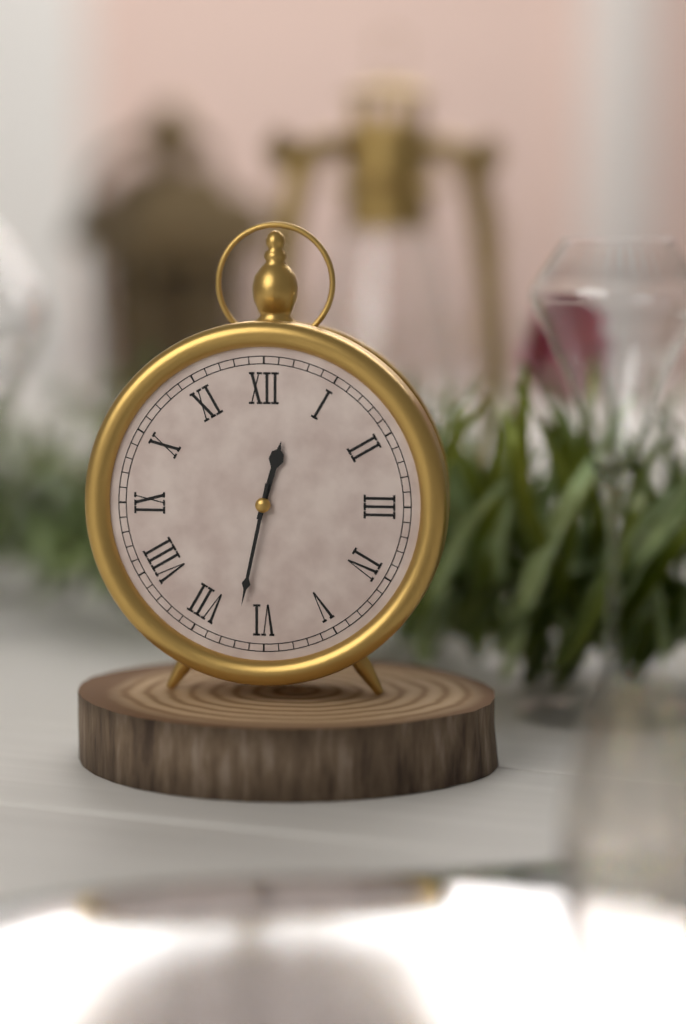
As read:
**12:32**
